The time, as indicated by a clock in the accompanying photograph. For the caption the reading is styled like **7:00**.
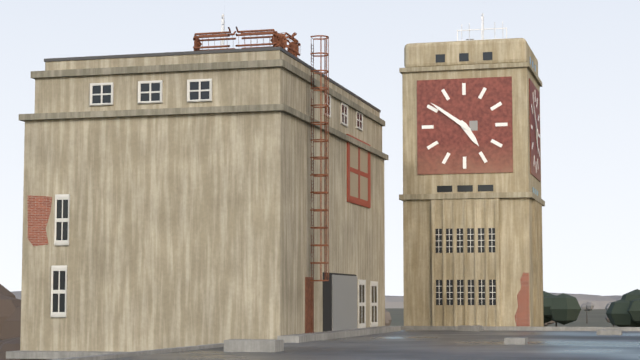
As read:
**4:51**
